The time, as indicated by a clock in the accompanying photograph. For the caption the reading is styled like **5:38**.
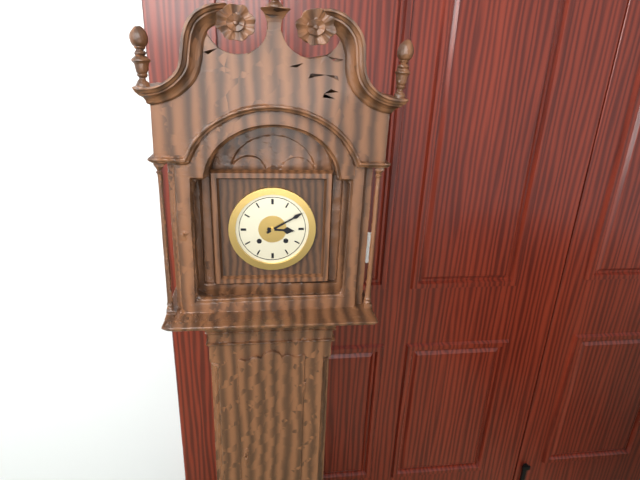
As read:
**3:10**
